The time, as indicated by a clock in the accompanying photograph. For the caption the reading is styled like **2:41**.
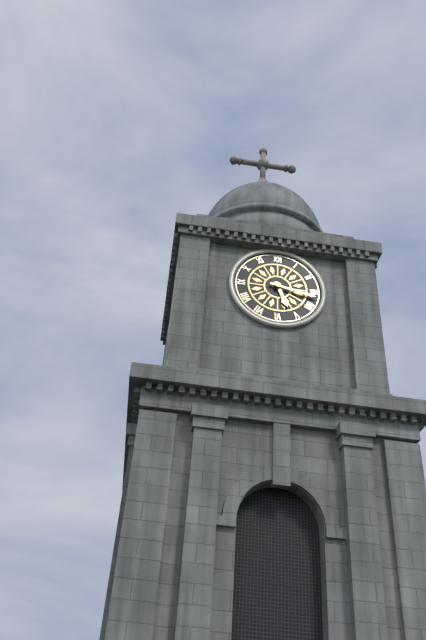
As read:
**5:17**
